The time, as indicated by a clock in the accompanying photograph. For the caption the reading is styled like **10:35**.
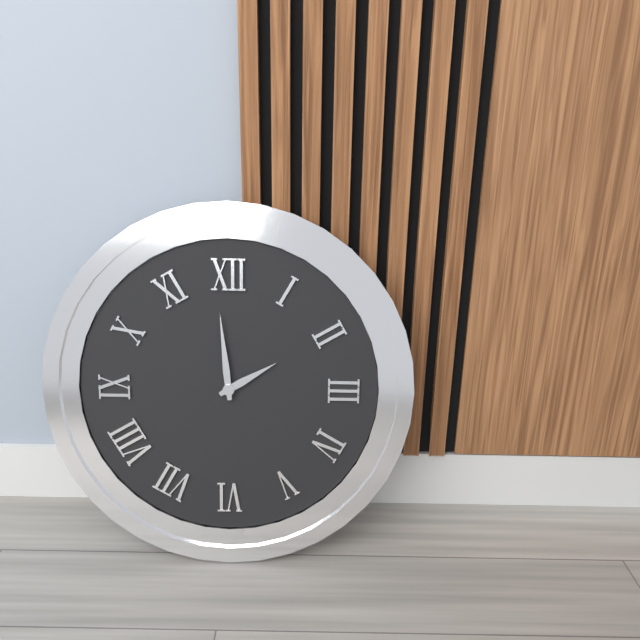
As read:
**1:59**
